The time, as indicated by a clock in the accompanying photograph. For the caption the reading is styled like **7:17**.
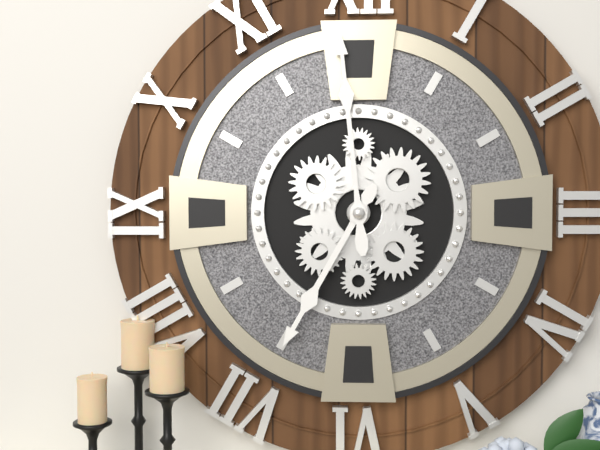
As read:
**6:59**
